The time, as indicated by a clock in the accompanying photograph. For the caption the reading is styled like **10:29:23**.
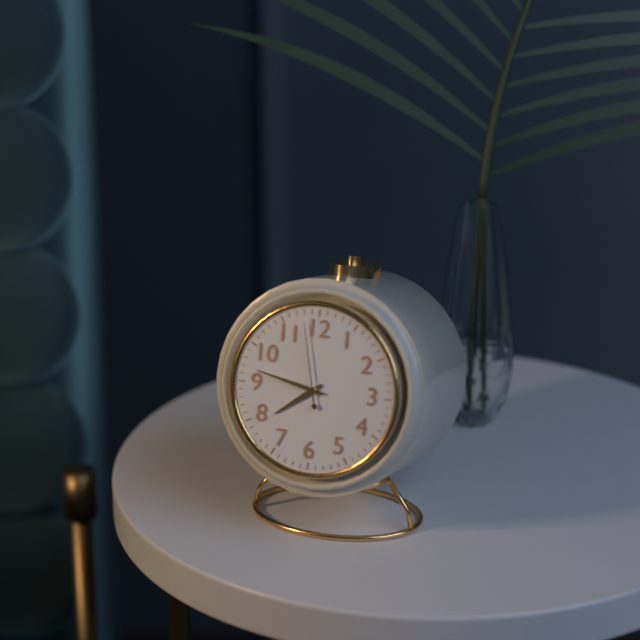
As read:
**7:47:58**
